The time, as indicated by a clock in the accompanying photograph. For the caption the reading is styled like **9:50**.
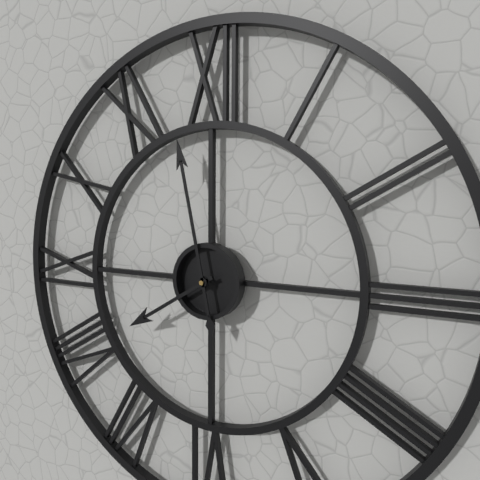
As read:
**7:58**
